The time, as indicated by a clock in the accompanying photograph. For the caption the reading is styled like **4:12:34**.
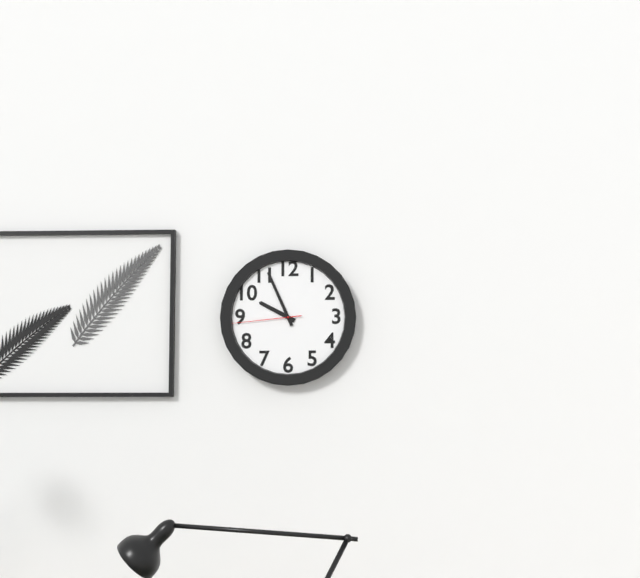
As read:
**9:56:44**
